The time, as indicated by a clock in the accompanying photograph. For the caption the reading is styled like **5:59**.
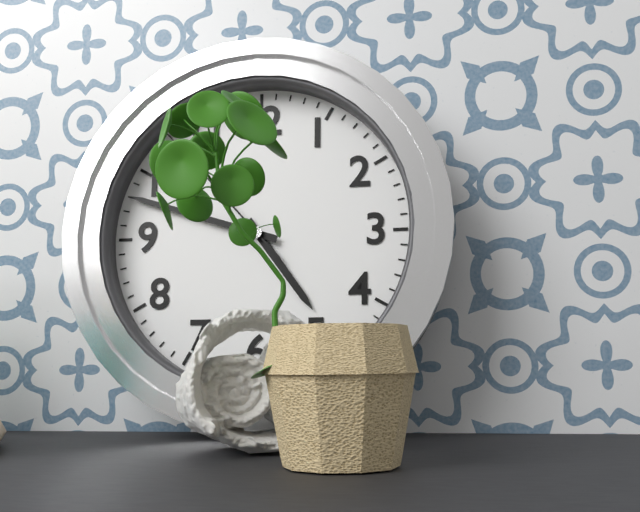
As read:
**4:48**
